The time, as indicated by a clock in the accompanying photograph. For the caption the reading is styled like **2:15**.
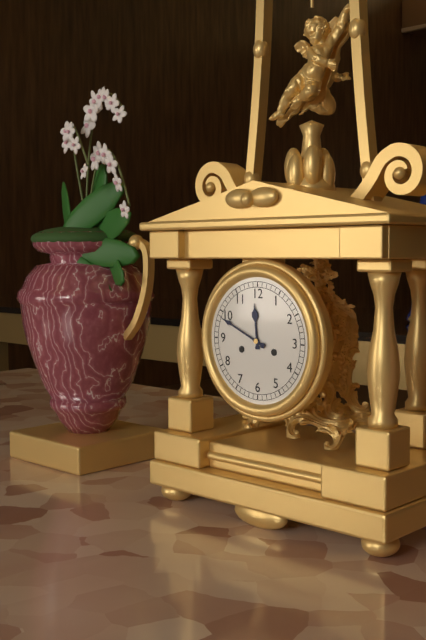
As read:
**11:49**
